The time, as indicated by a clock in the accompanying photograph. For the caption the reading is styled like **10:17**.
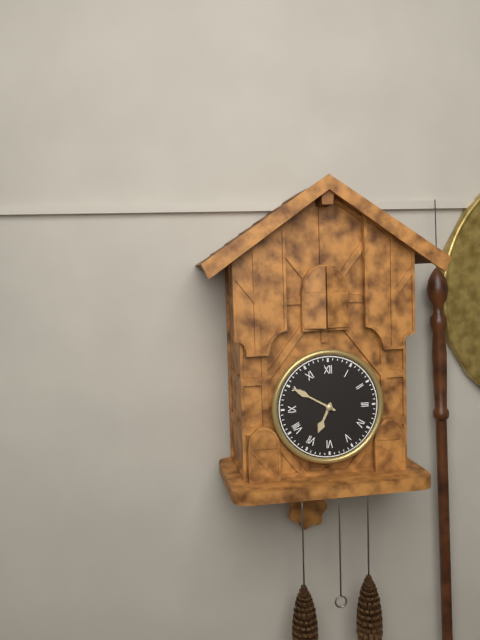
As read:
**6:50**
